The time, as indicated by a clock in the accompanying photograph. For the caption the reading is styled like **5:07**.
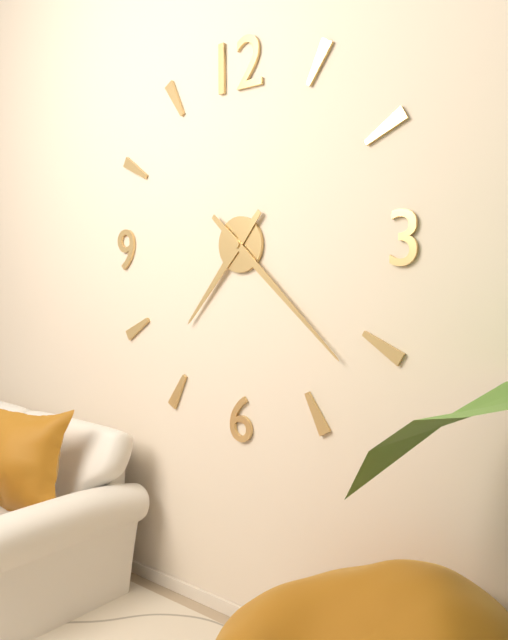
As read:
**7:22**
